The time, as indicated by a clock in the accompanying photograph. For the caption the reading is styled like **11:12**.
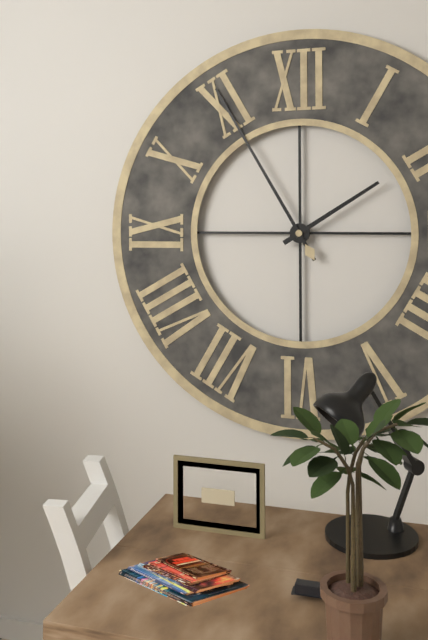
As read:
**1:55**
